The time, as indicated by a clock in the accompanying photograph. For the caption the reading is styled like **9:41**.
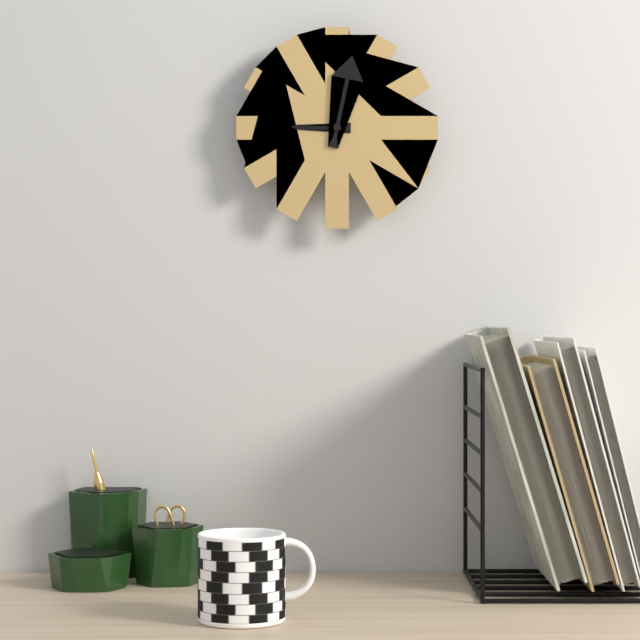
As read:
**9:02**
